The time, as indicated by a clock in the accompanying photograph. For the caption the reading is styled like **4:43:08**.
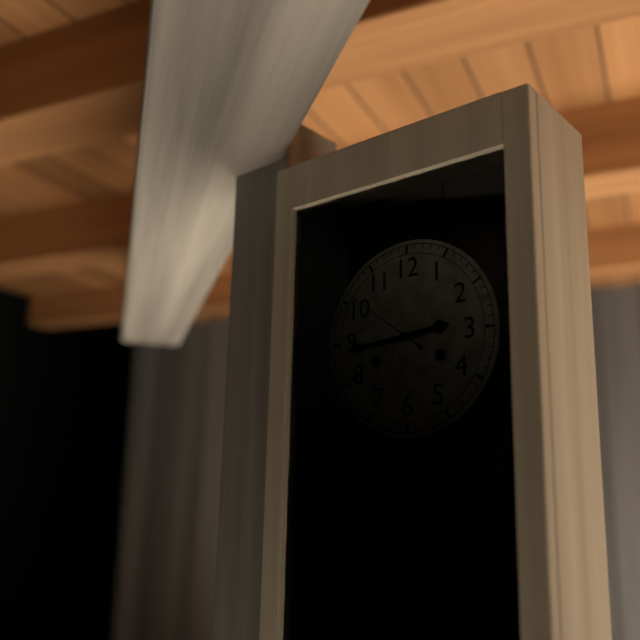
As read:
**2:44:51**
